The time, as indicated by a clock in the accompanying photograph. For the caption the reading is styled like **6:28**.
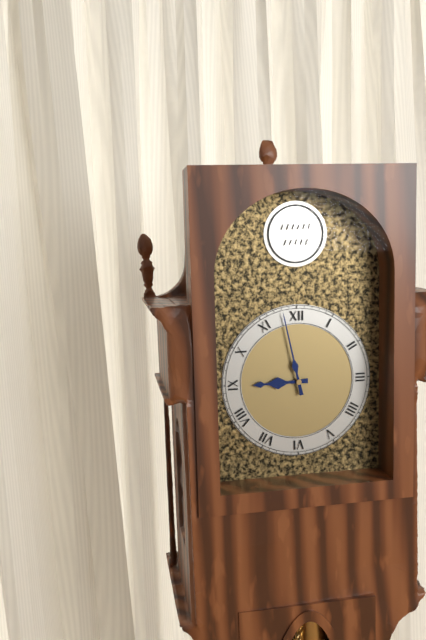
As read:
**8:58**
